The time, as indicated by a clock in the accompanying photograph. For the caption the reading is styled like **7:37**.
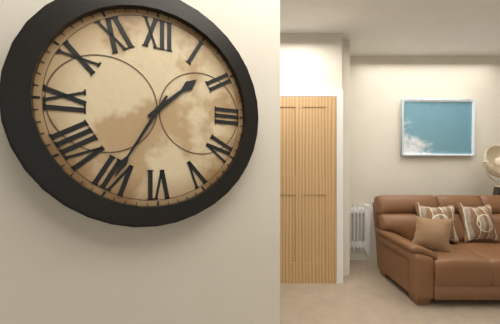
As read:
**1:35**
